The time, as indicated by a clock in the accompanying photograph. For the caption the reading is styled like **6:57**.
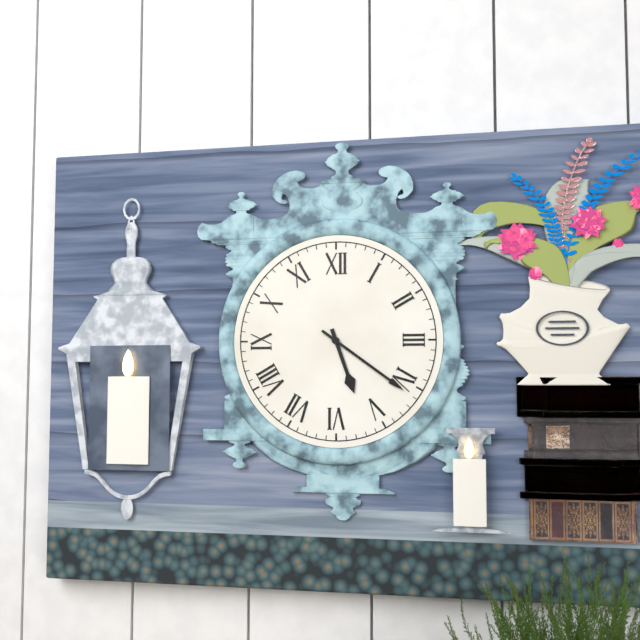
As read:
**5:21**
